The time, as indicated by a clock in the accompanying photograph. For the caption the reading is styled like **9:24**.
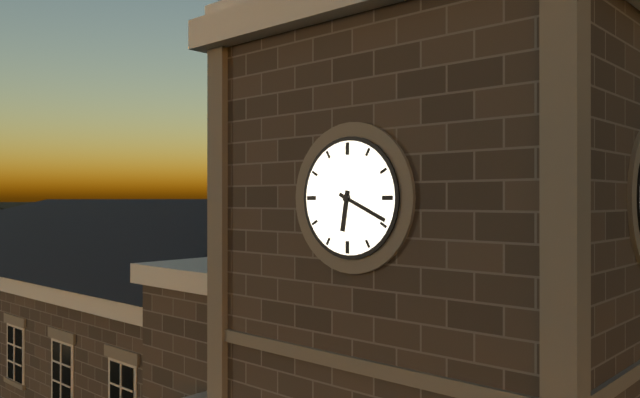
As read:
**6:19**
